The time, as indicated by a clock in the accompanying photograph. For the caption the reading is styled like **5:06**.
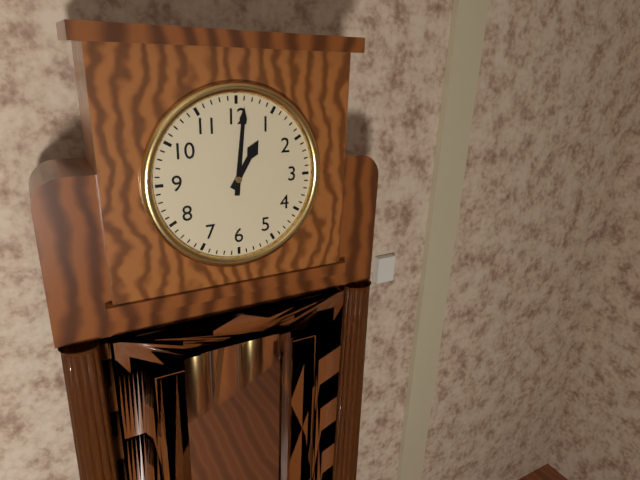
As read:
**1:01**
